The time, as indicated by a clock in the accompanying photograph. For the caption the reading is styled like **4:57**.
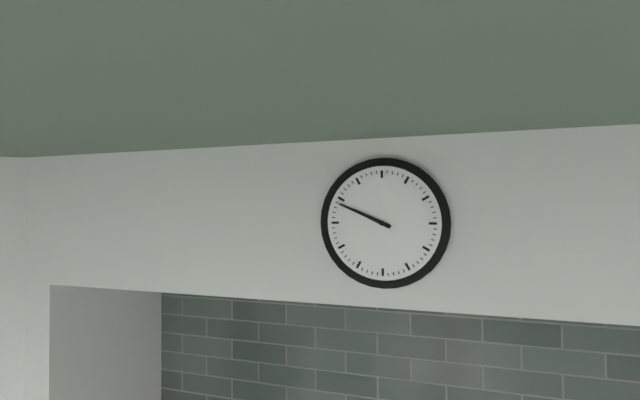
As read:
**9:49**
